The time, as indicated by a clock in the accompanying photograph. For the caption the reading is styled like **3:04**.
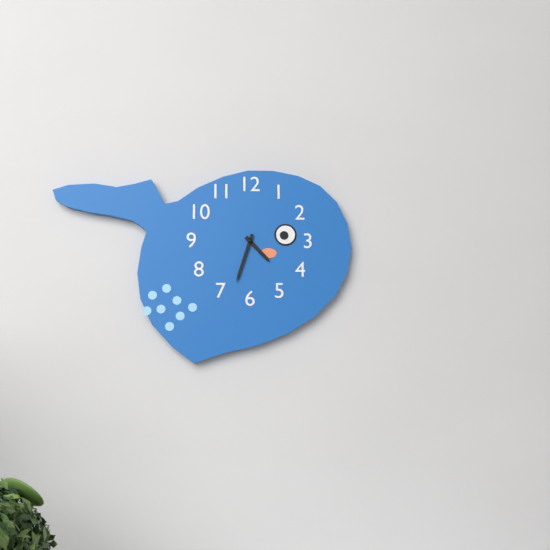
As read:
**4:33**
